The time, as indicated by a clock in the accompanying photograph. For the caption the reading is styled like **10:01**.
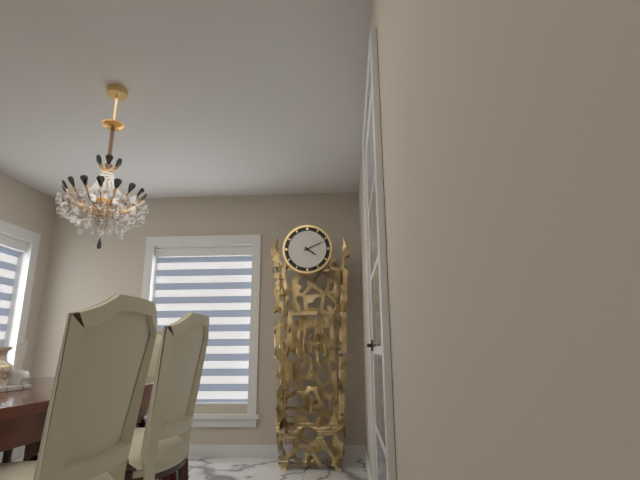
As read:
**4:11**
